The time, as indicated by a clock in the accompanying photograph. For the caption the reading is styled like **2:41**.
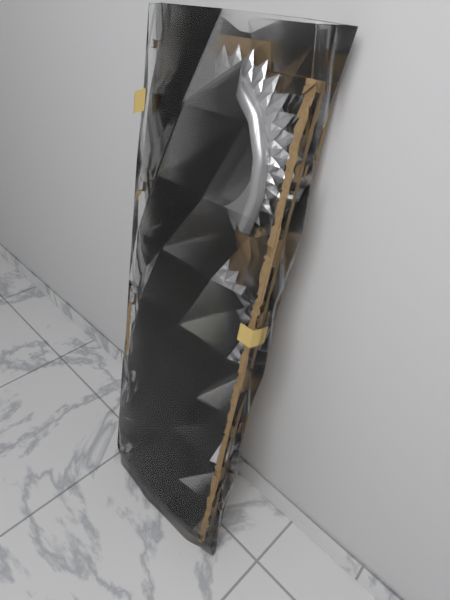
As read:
**11:27**
